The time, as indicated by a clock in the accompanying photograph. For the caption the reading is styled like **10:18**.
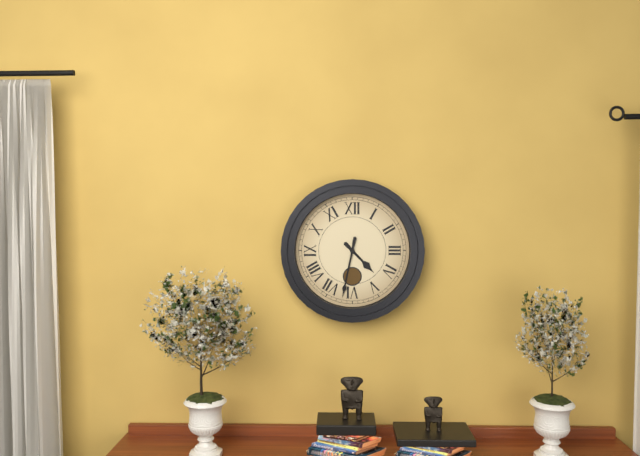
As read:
**4:32**
